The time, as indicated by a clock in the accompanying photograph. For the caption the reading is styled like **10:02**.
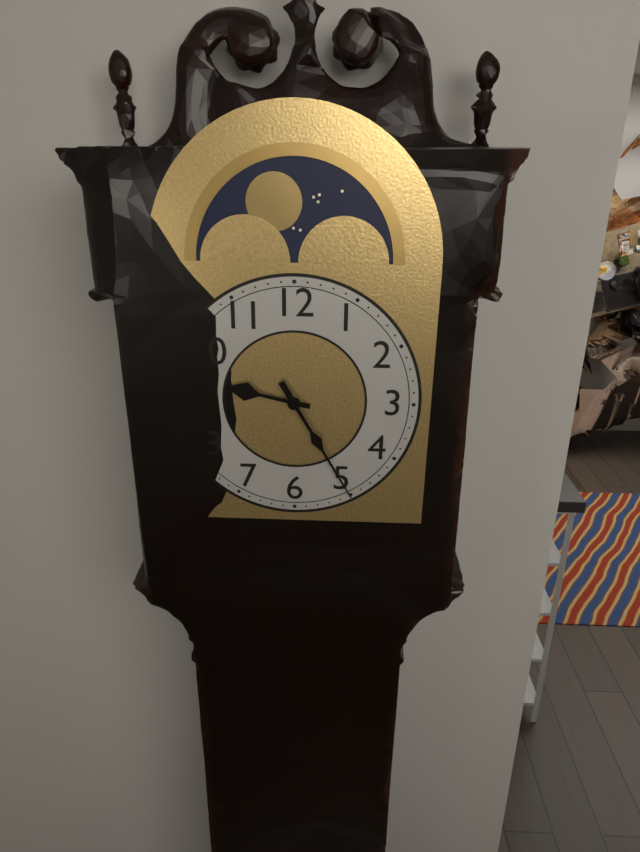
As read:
**9:25**
